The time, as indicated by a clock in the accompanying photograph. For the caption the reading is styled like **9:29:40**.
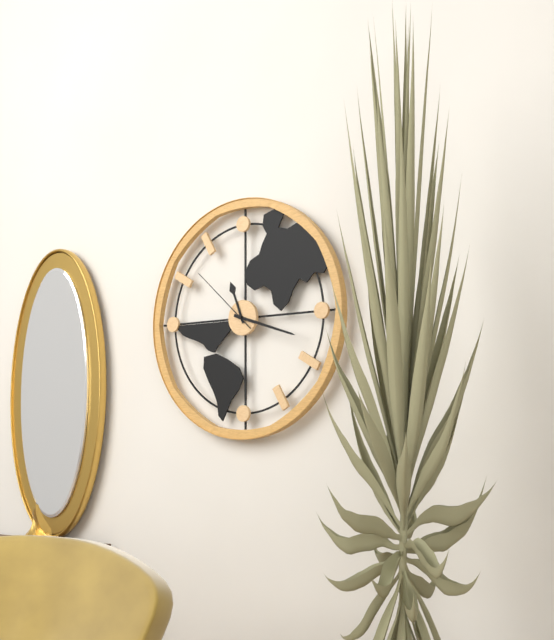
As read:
**11:18:52**
